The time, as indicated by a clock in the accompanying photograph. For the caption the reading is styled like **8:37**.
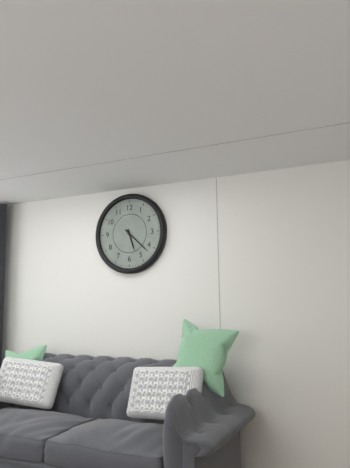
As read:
**5:22**
